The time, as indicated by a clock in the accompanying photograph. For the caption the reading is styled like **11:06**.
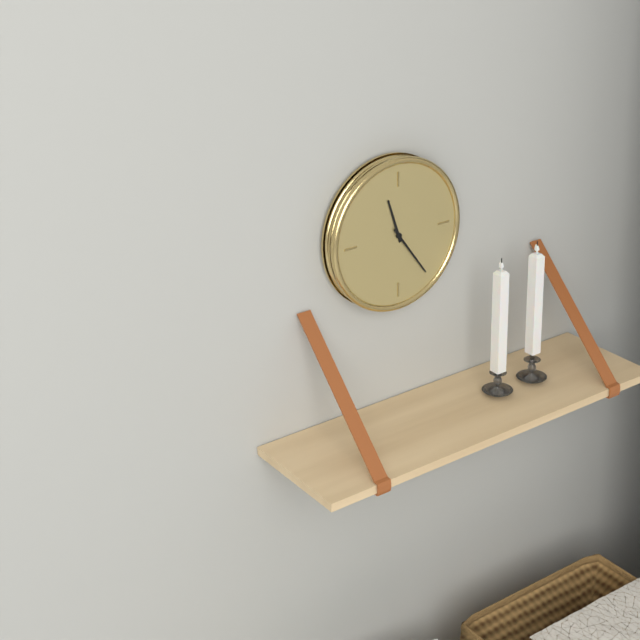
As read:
**11:24**
